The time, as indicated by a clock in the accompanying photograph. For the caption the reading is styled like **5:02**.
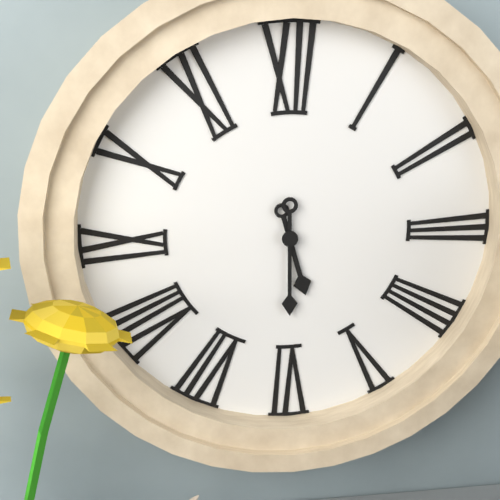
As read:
**5:30**
